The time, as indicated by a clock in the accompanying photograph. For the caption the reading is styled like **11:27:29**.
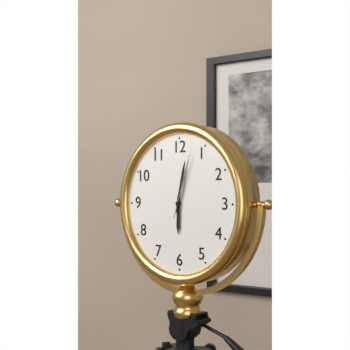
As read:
**6:02:03**
